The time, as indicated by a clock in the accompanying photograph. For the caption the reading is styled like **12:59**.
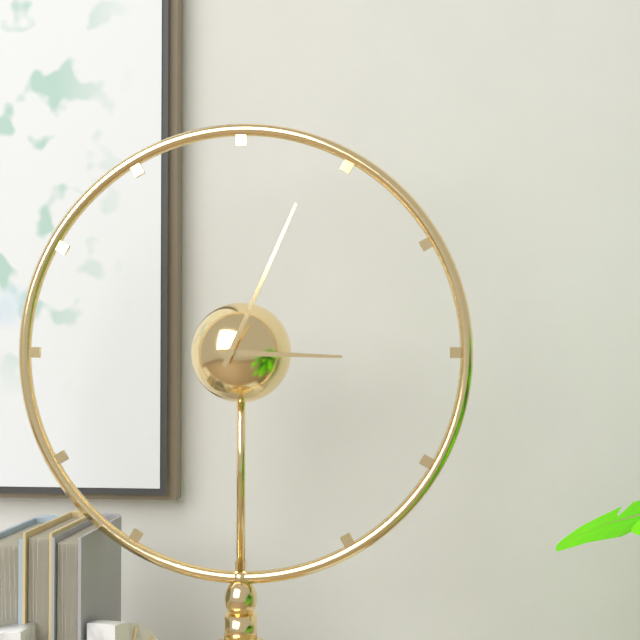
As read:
**3:04**
